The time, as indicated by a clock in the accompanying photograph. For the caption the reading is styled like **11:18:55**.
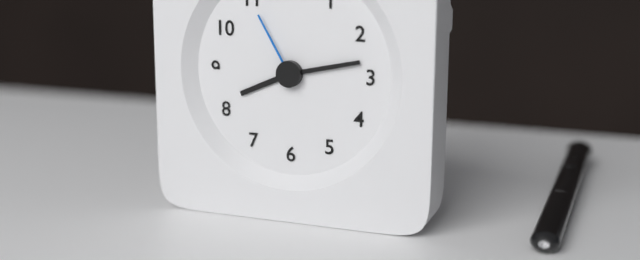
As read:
**8:13:55**
